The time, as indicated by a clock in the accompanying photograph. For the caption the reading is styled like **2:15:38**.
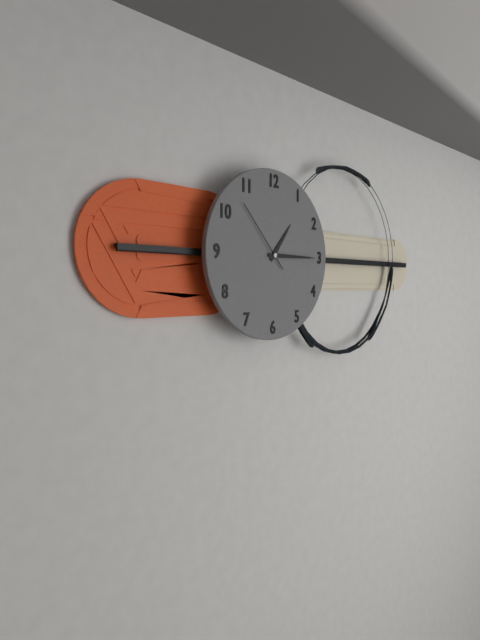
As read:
**1:15:53**
